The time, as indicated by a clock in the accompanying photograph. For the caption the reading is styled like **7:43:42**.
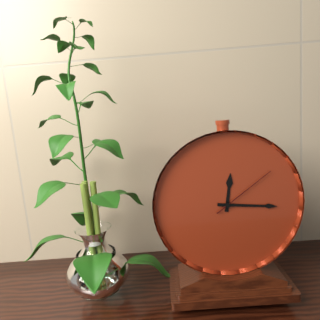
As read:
**12:16:09**
